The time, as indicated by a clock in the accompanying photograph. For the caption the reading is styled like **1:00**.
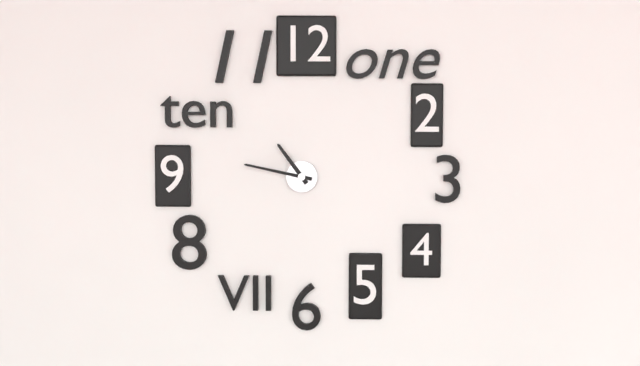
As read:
**10:47**
